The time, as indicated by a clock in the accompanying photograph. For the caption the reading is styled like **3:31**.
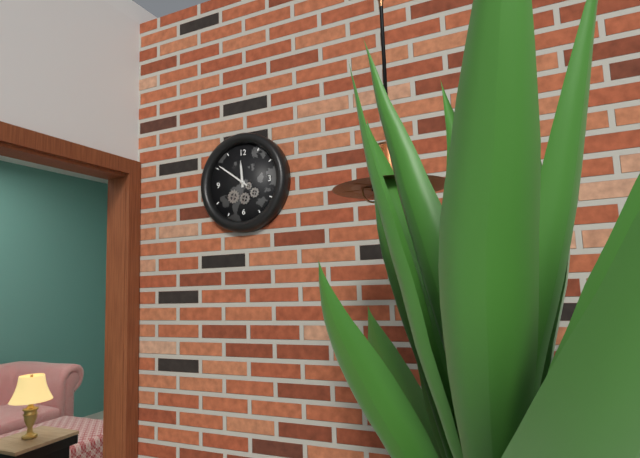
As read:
**11:51**
